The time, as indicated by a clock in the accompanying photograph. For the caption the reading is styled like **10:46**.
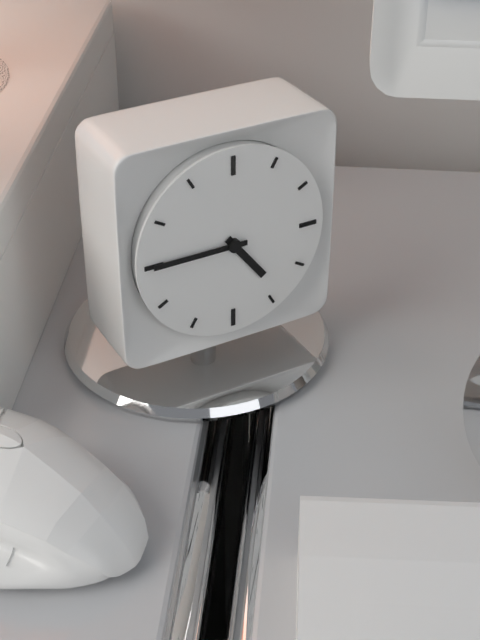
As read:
**4:45**
